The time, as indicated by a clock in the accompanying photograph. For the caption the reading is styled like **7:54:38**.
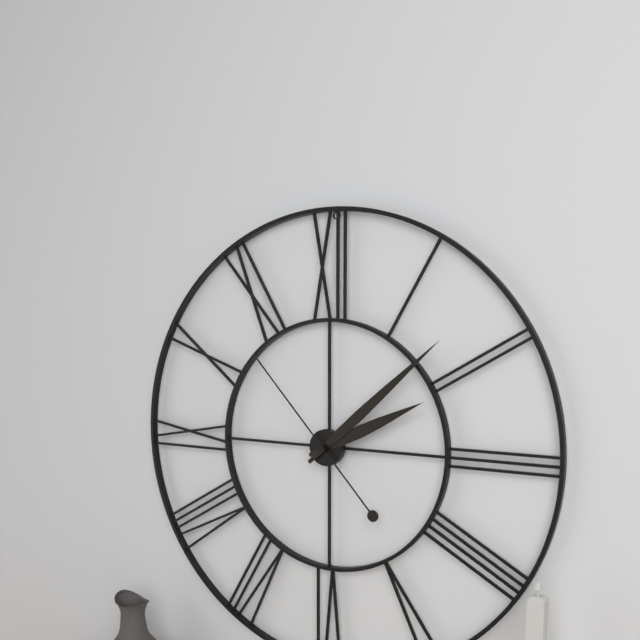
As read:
**2:08:53**
